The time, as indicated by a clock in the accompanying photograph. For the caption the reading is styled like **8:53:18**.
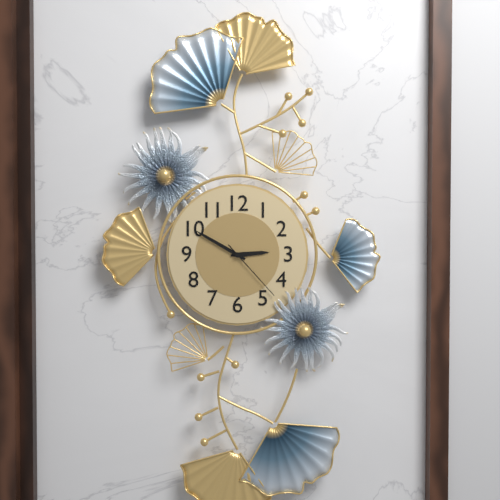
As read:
**2:50:23**
